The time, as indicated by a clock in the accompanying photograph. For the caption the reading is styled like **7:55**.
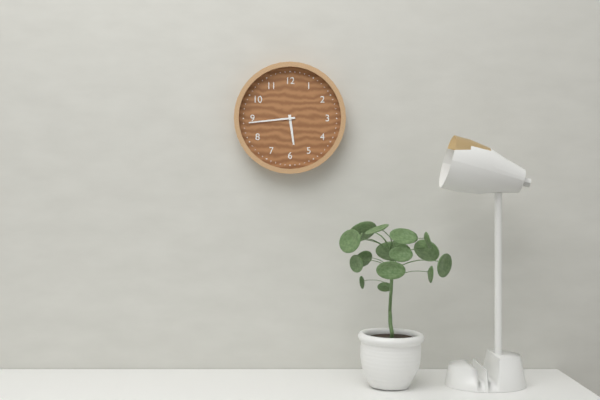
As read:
**5:44**
